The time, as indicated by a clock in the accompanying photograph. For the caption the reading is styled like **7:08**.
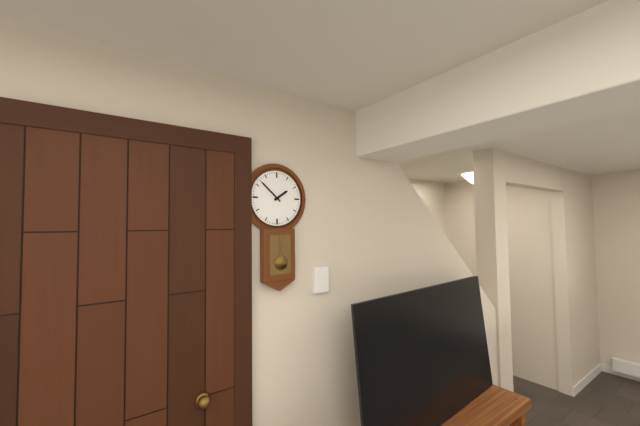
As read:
**1:52**
